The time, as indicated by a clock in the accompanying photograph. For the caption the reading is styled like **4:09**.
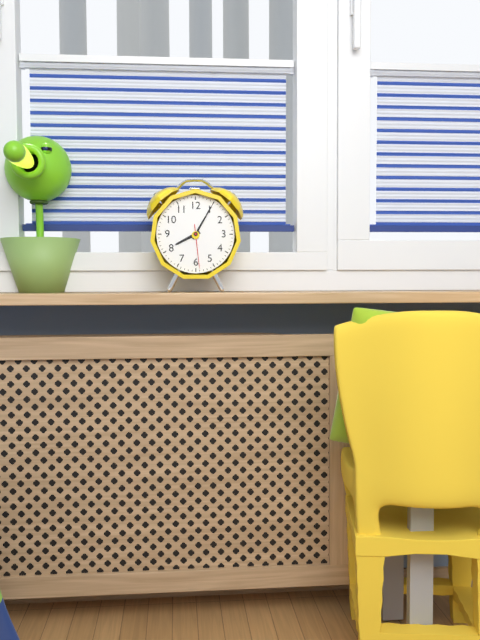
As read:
**8:05**
